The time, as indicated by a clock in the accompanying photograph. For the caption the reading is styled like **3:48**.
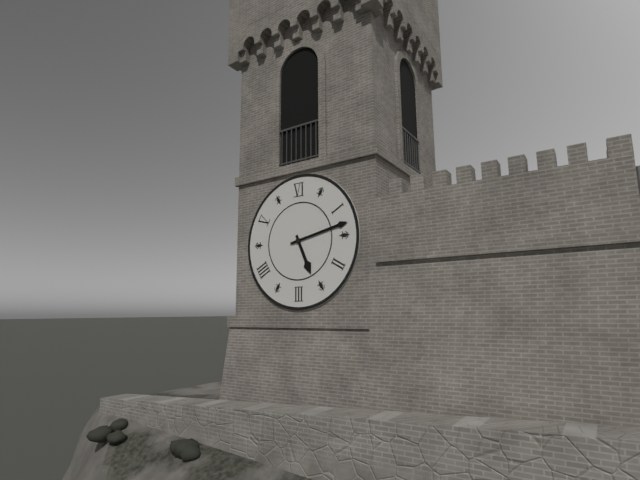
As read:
**5:13**
